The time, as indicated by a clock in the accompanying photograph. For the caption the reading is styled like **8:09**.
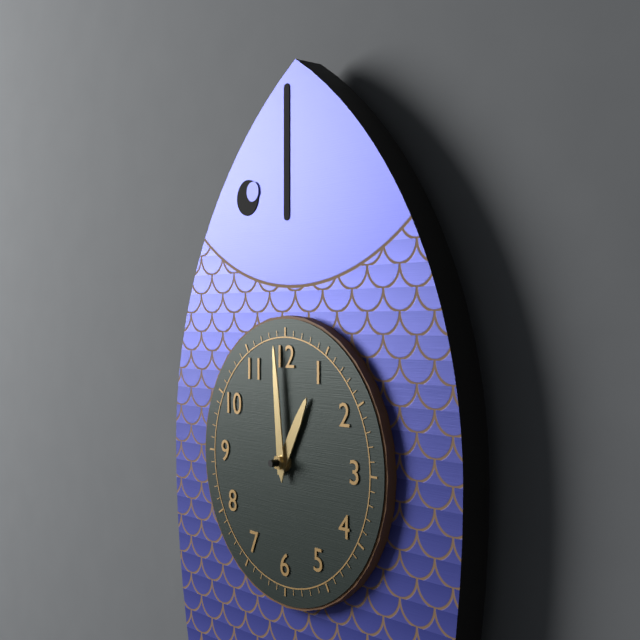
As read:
**12:59**
